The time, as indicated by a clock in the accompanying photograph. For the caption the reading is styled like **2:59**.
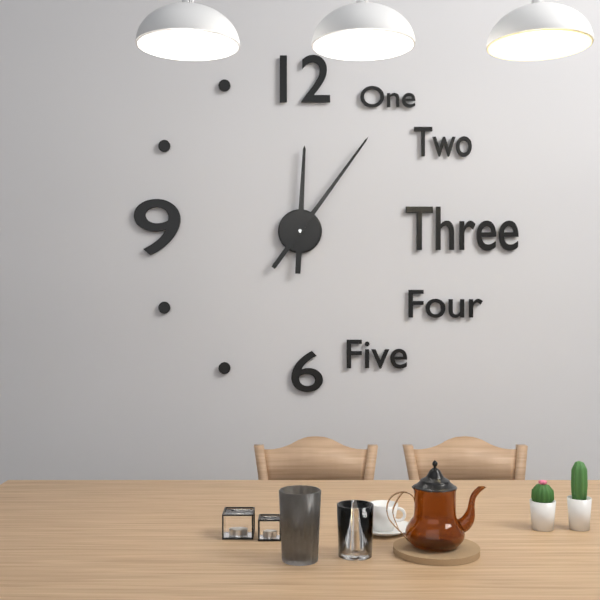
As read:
**12:06**
